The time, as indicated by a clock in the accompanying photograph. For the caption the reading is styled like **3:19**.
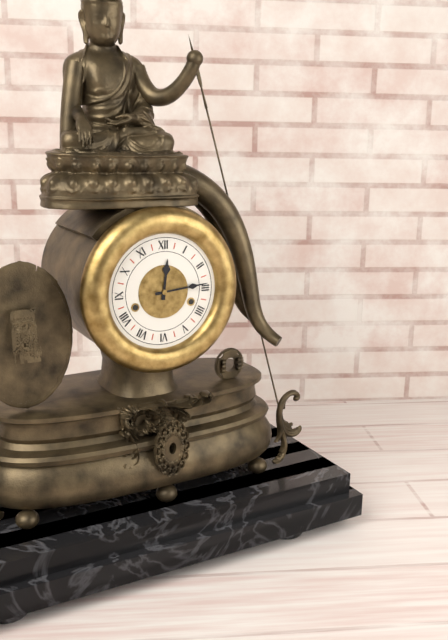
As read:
**12:14**
